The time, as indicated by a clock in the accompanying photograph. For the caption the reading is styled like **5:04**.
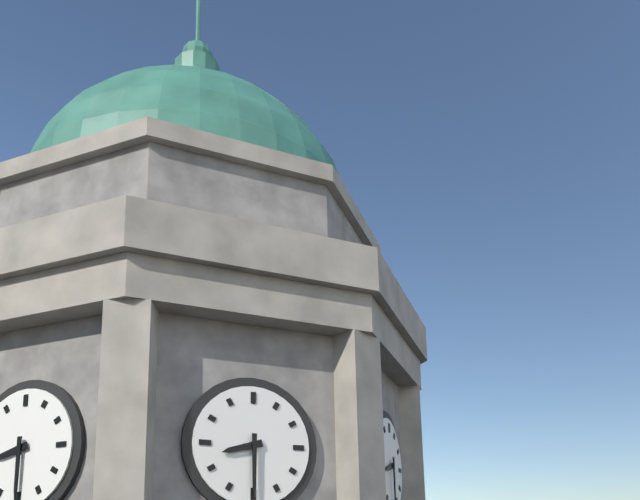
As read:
**8:30**
